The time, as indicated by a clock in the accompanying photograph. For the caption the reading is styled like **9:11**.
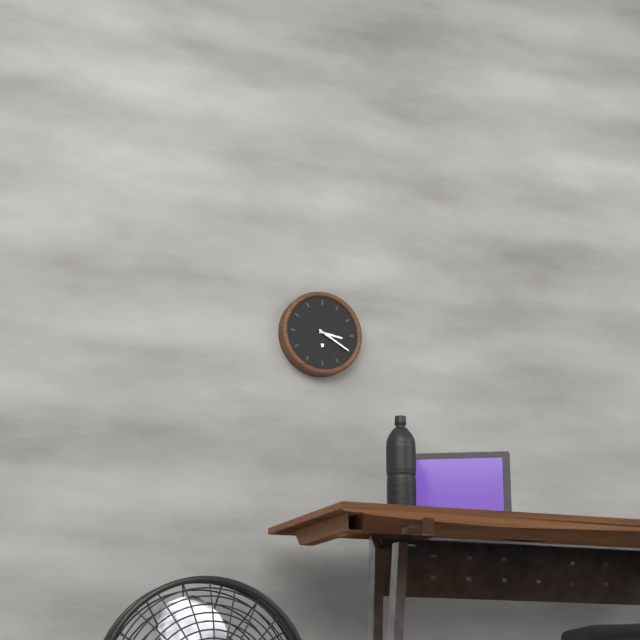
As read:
**3:20**
